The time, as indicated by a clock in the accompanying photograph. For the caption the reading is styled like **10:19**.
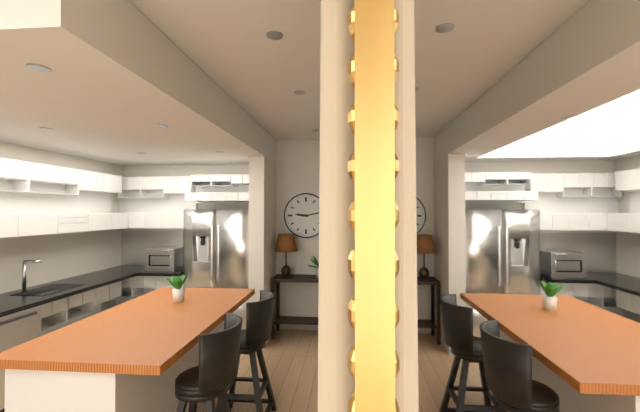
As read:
**9:13**
